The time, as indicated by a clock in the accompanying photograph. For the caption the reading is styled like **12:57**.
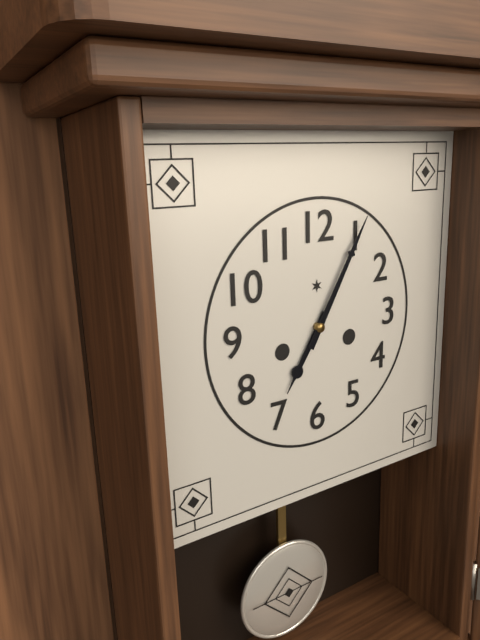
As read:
**7:05**
